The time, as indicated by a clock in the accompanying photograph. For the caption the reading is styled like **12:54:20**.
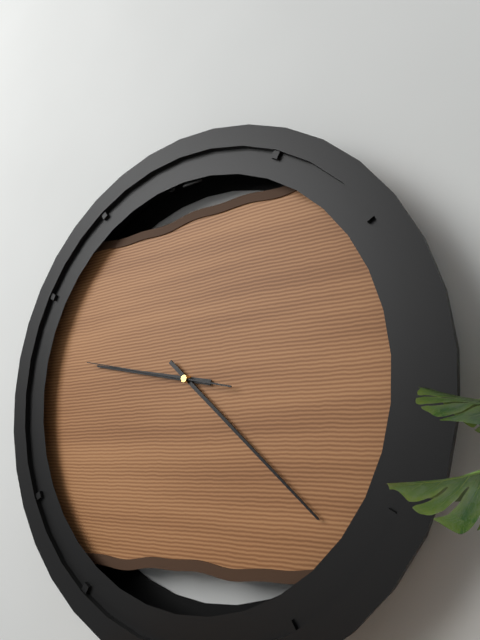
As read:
**9:22:47**
